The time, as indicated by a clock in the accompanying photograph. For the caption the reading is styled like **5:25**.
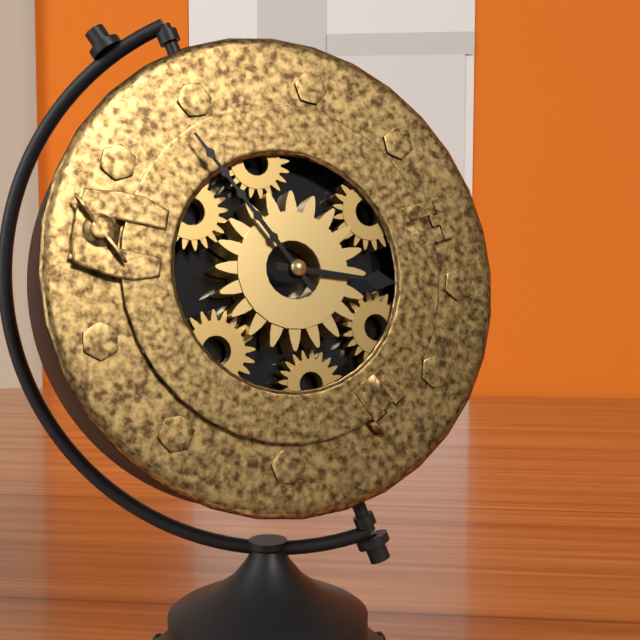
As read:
**2:52**
